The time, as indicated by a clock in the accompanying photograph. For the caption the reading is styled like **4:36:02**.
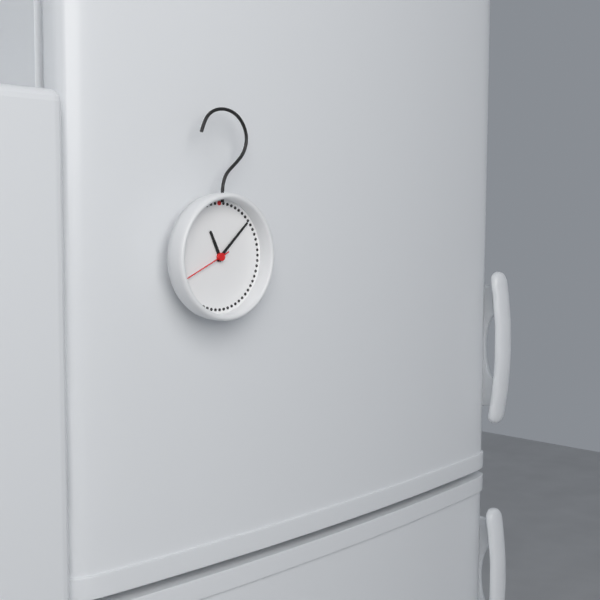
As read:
**11:08:41**
